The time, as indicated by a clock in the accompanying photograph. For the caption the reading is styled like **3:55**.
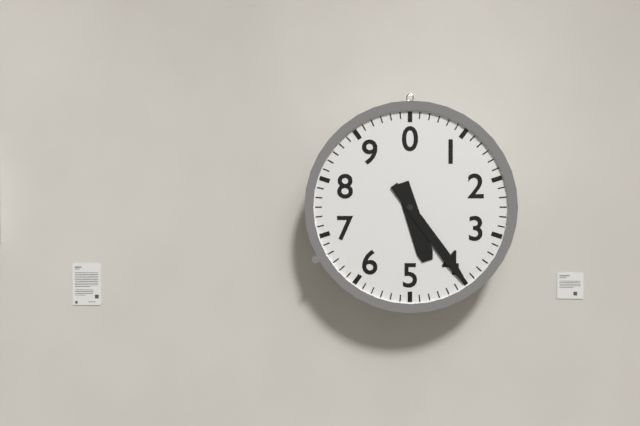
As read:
**5:24**
